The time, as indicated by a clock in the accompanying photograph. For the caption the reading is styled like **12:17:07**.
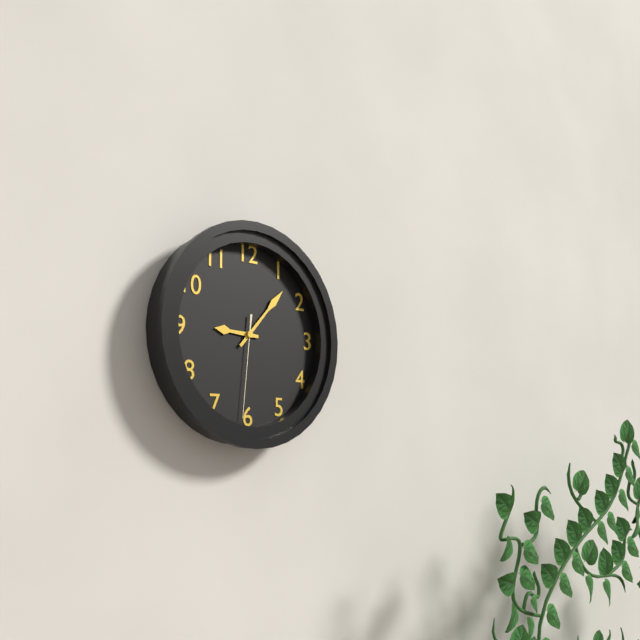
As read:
**9:07:31**
